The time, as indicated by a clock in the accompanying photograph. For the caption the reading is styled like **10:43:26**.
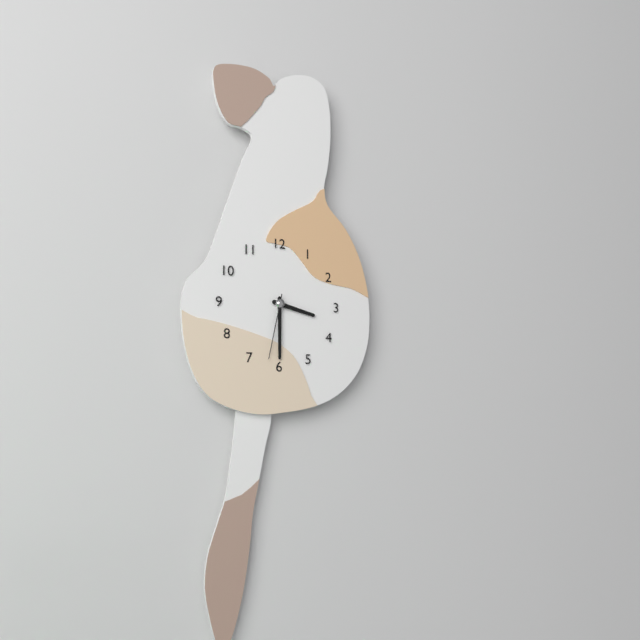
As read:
**3:30:32**
